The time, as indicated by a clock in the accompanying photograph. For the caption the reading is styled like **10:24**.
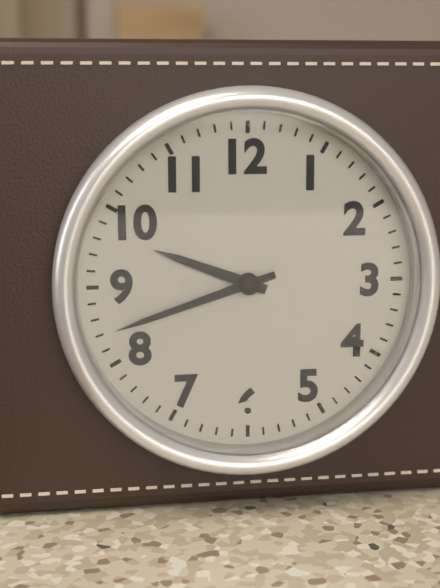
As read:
**9:42**
